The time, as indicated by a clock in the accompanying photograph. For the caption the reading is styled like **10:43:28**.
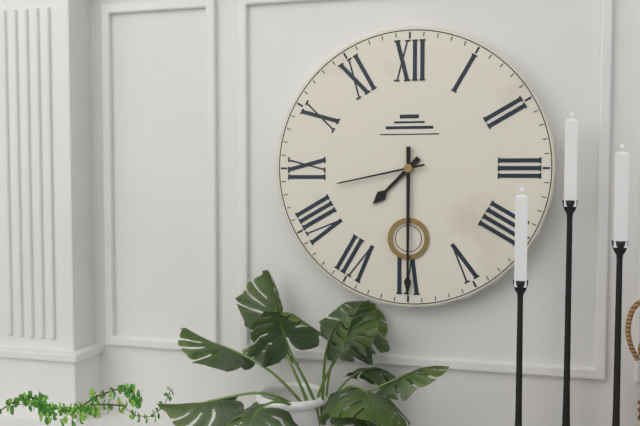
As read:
**7:30:43**
